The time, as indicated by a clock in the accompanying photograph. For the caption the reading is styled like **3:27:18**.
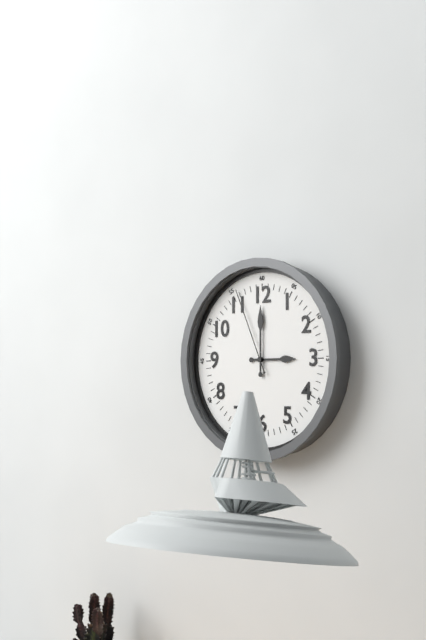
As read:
**3:00:56**
